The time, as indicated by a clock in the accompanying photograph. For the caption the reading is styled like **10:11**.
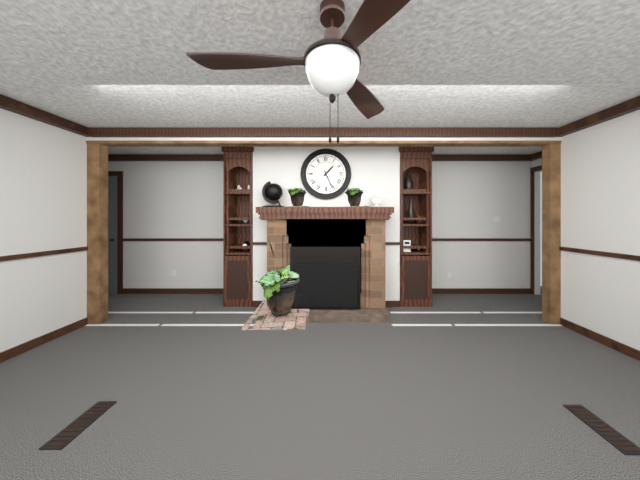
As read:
**1:26**
